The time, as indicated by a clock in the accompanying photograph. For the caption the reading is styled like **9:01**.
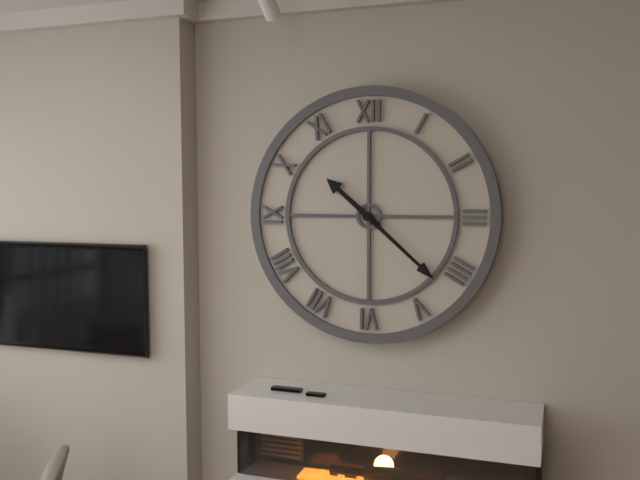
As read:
**10:22**
